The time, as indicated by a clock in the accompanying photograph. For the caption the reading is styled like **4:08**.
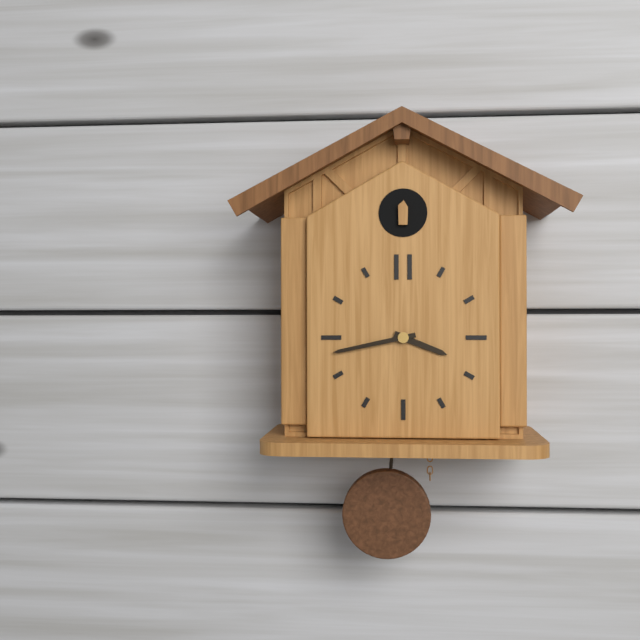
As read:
**3:43**
